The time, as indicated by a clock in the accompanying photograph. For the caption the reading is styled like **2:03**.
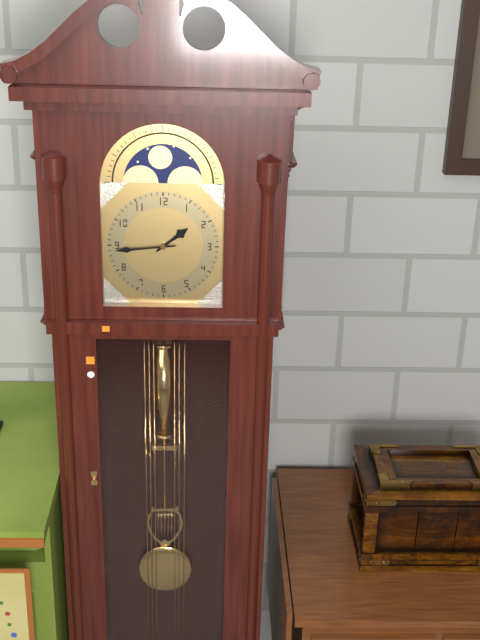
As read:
**1:44**
